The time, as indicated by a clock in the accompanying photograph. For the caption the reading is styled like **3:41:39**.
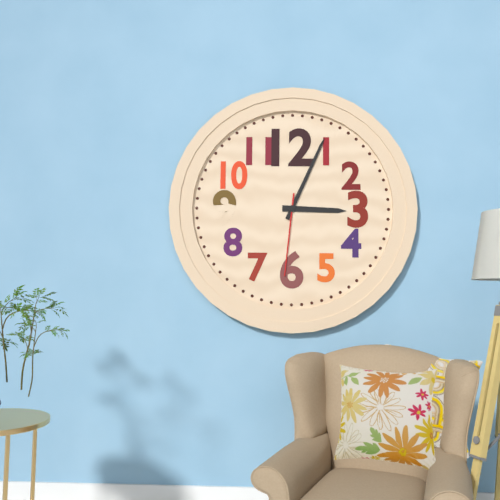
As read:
**3:04:31**
